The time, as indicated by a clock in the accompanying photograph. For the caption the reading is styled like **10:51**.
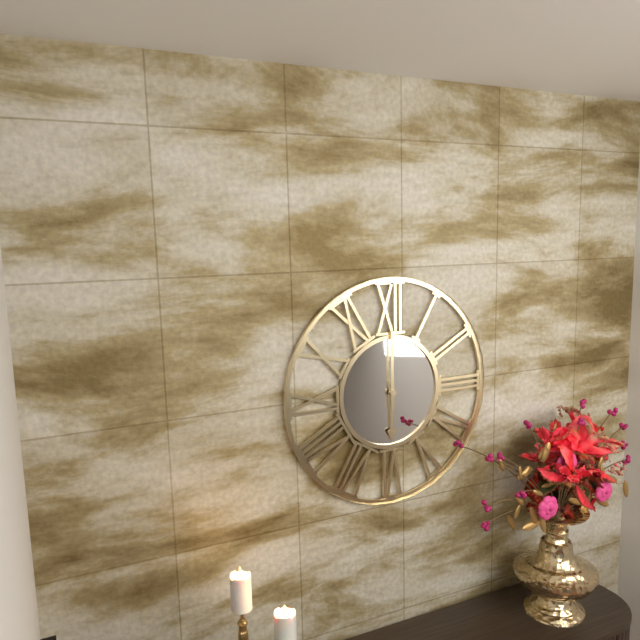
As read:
**6:00**
